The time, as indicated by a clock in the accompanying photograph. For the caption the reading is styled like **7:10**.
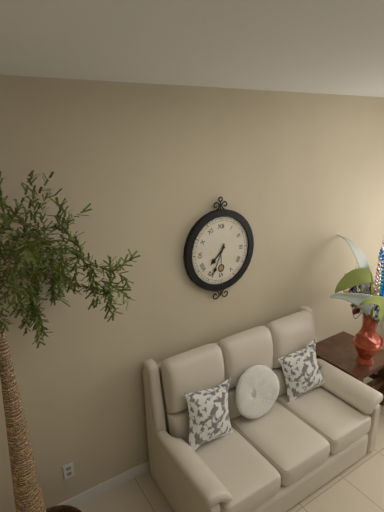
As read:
**7:34**
